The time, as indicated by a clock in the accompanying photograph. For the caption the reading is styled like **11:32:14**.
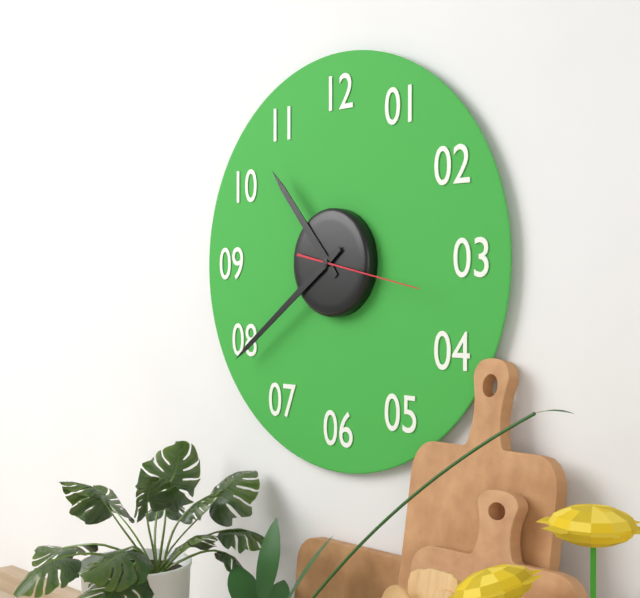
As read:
**10:39:17**
